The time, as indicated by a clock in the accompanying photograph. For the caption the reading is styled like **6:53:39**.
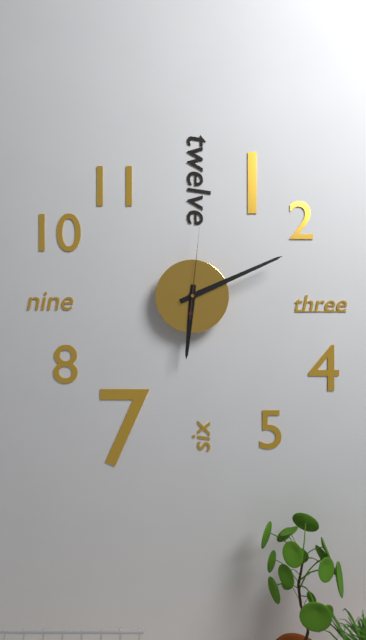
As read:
**6:11:01**
